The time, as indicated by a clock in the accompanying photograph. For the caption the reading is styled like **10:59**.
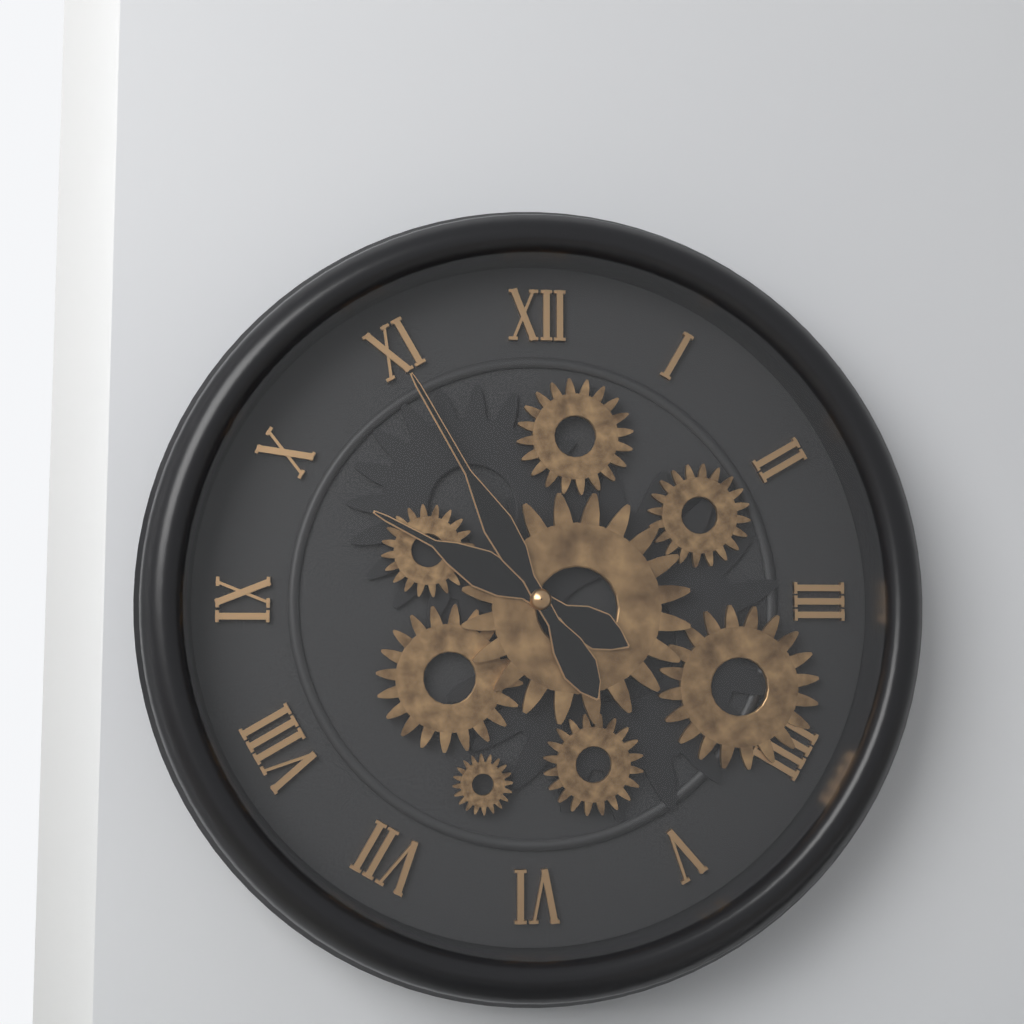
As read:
**9:55**
